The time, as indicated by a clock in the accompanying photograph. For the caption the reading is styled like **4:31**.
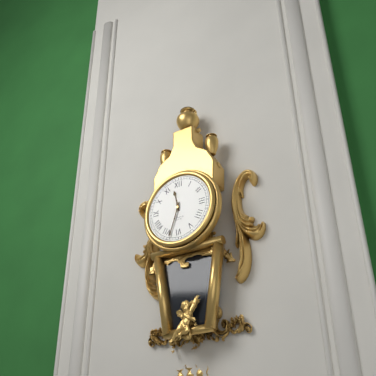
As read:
**11:33**
